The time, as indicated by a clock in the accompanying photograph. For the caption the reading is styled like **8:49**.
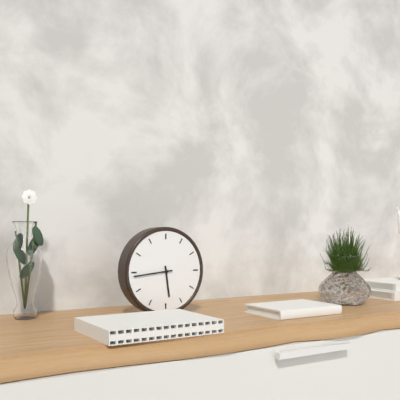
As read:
**5:44**
